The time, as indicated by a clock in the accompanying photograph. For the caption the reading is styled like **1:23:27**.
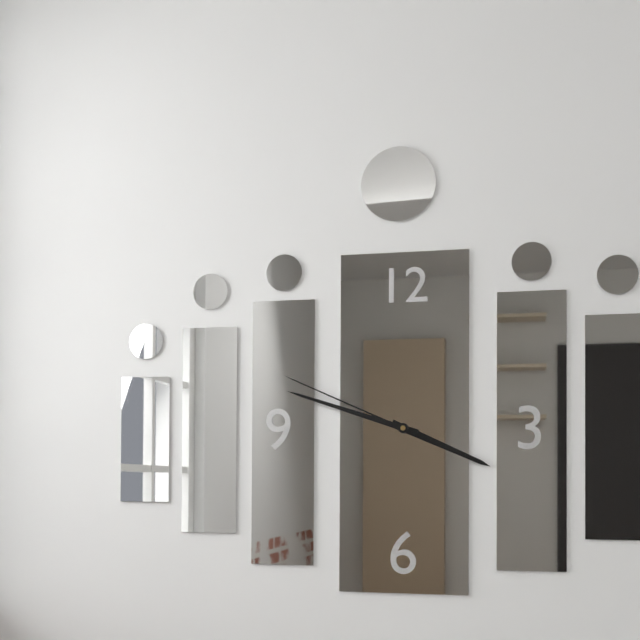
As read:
**3:48:49**
